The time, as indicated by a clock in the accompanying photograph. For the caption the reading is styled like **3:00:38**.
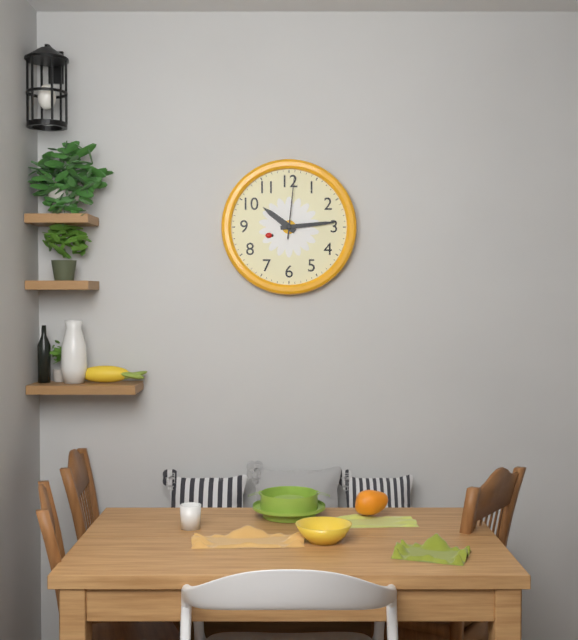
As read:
**10:14:01**
